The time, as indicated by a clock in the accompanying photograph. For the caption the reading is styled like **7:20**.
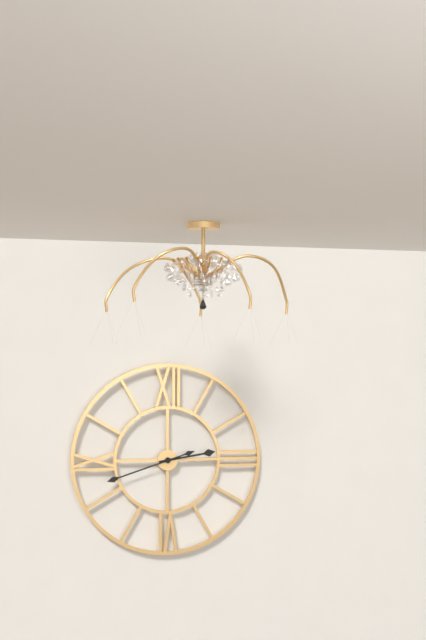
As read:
**2:42**
